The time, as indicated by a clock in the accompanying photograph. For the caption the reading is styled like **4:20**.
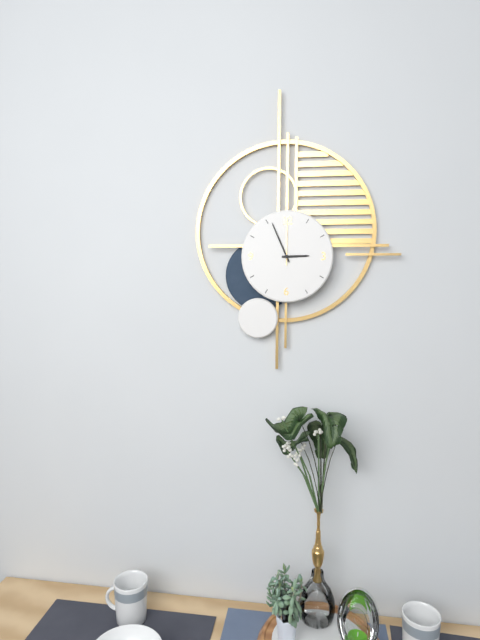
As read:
**2:56**
